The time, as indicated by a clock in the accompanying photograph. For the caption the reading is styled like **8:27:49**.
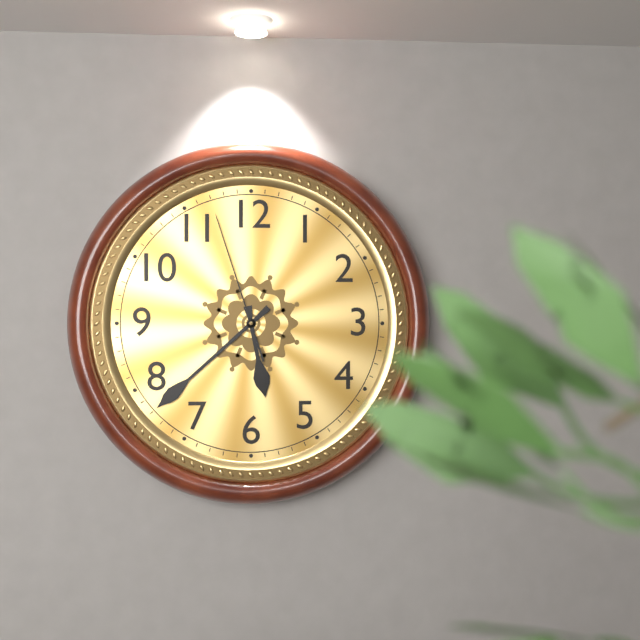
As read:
**5:38:57**
